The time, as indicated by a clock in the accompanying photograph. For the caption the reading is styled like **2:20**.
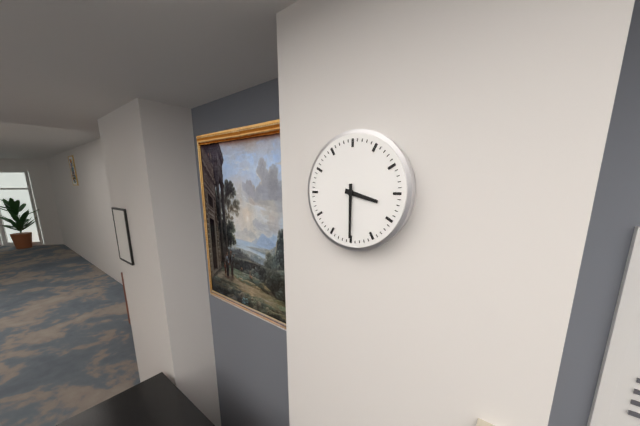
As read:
**3:30**
